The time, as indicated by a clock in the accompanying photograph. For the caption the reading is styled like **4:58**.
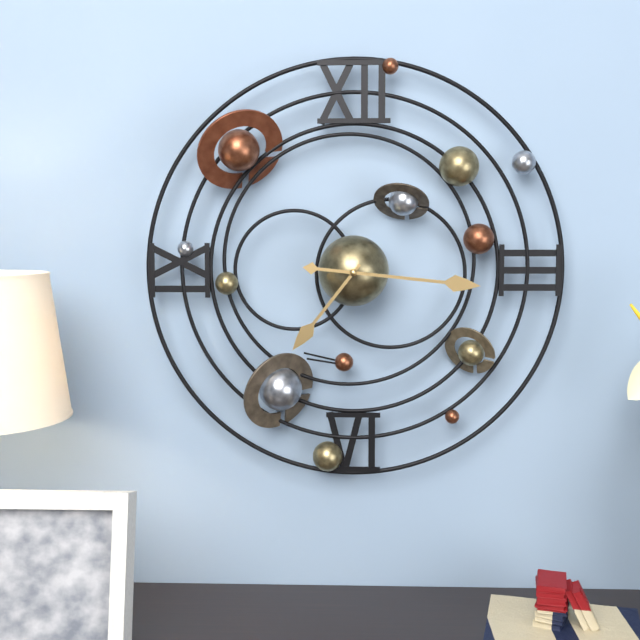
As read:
**7:16**
